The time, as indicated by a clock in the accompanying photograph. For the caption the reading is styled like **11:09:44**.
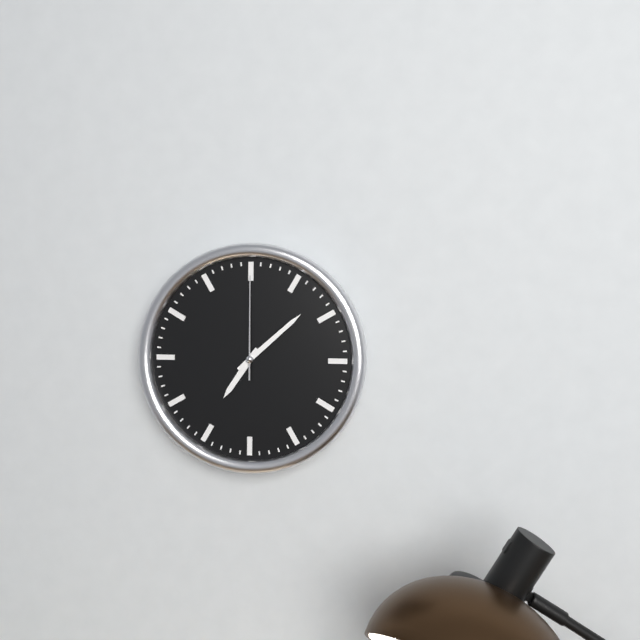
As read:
**7:08:00**
